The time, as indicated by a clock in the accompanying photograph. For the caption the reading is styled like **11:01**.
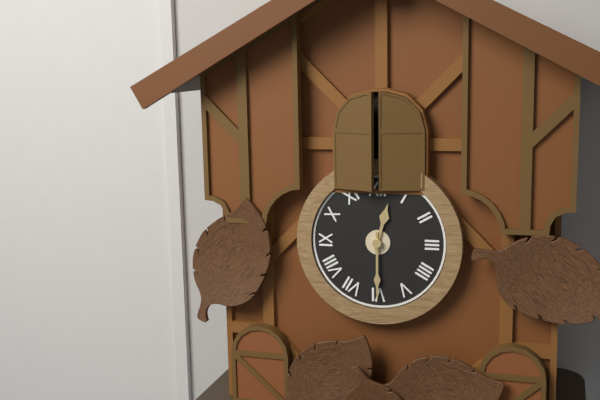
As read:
**12:30**
